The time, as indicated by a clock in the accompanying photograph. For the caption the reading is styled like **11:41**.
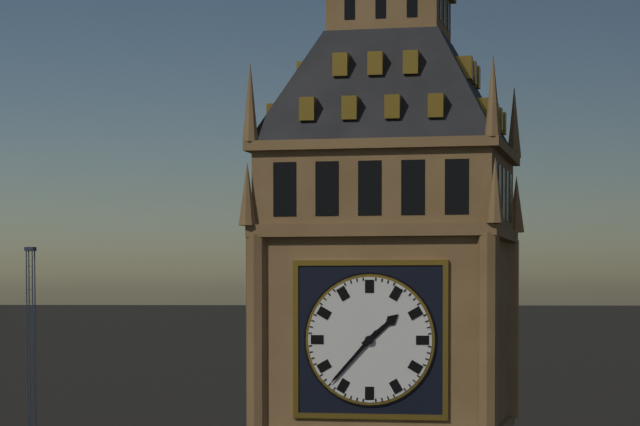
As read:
**1:37**
